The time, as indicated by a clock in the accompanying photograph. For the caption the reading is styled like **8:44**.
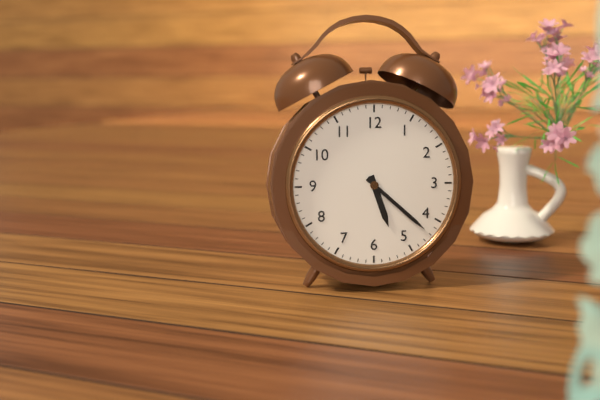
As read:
**5:22**
